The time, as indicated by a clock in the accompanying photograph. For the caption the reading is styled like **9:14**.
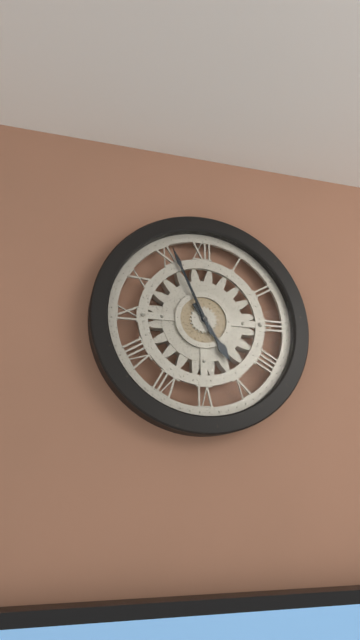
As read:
**4:56**
